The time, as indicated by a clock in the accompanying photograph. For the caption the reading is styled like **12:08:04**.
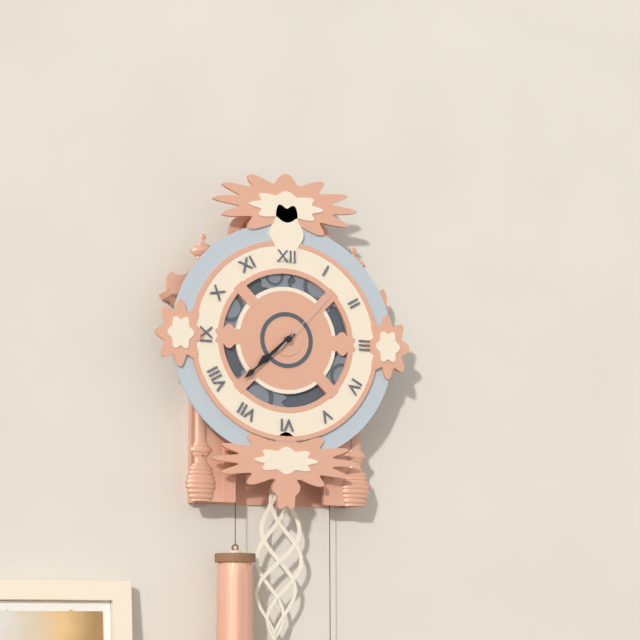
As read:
**7:38:07**
